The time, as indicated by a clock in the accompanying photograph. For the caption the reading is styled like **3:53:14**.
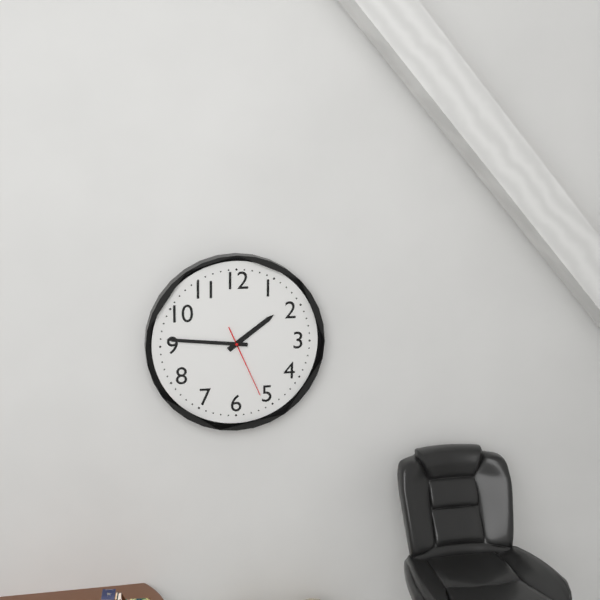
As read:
**1:46:26**
